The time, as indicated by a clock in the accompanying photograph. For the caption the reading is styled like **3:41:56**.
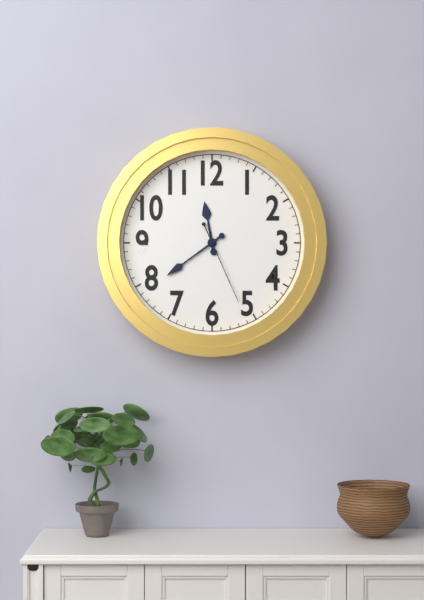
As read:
**11:39:26**
